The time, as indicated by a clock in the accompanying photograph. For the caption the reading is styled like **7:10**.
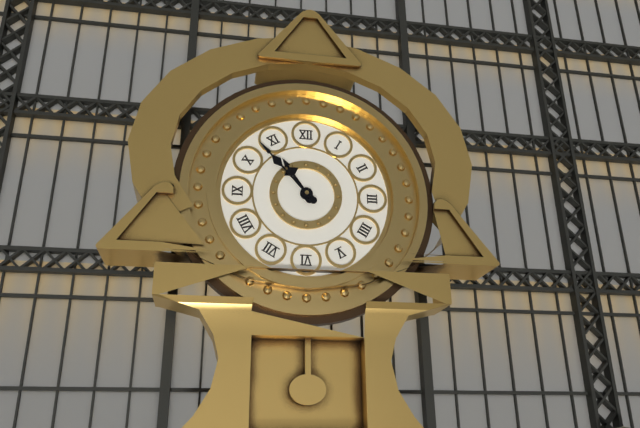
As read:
**10:53**
